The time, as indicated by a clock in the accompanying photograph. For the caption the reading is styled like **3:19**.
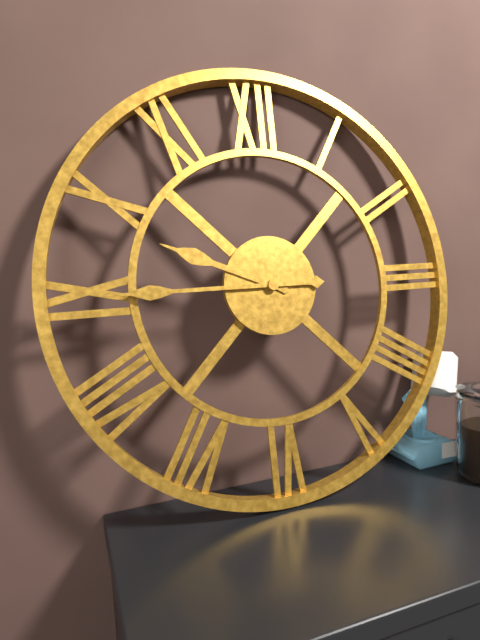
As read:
**9:45**
